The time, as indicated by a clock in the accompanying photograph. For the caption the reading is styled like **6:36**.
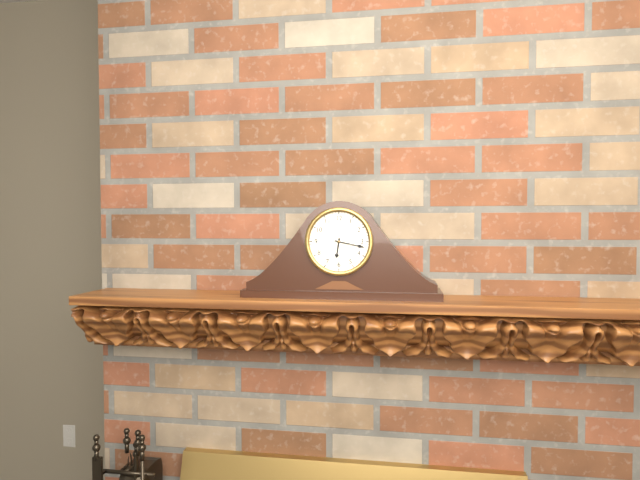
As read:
**6:17**
